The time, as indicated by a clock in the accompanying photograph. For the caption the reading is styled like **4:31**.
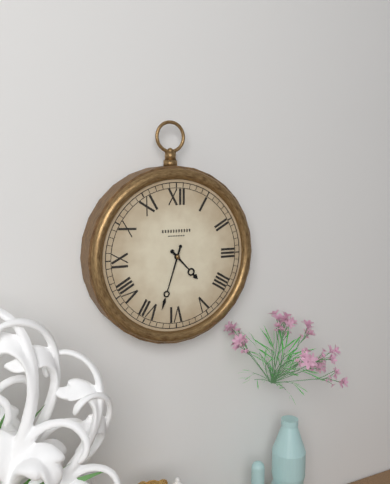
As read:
**4:33**
